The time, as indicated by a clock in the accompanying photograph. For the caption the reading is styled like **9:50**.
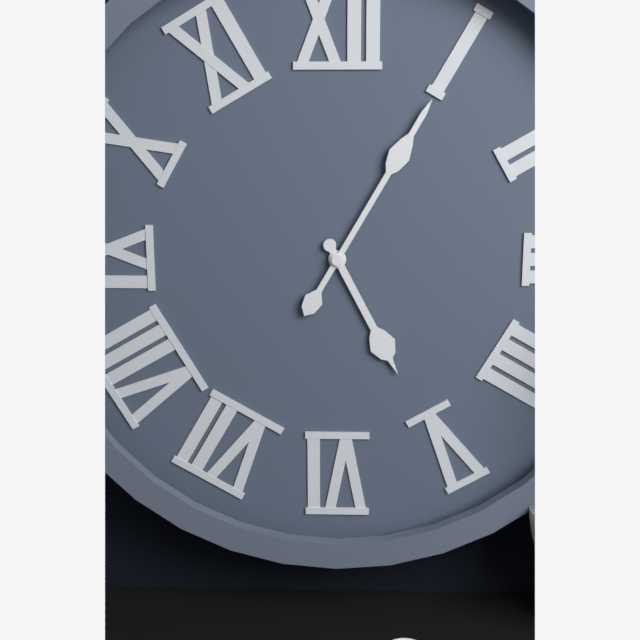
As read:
**5:05**
